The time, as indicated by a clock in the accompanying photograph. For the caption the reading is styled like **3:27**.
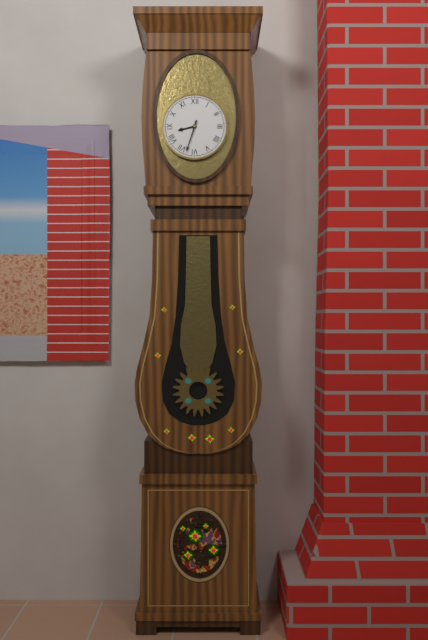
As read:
**8:33**
